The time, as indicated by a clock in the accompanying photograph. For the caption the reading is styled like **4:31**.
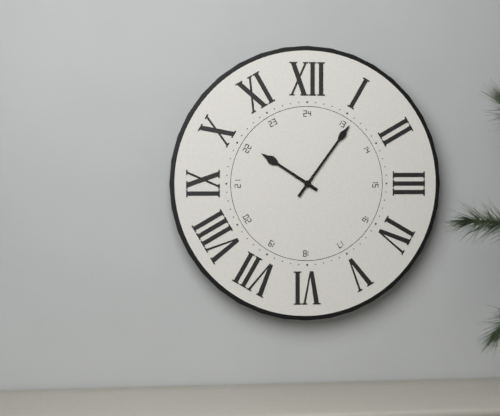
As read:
**10:06**
